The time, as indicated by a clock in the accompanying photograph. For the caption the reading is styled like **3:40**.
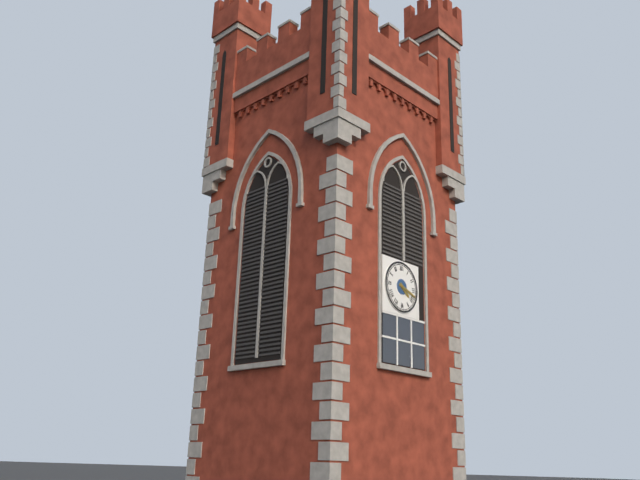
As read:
**4:18**
